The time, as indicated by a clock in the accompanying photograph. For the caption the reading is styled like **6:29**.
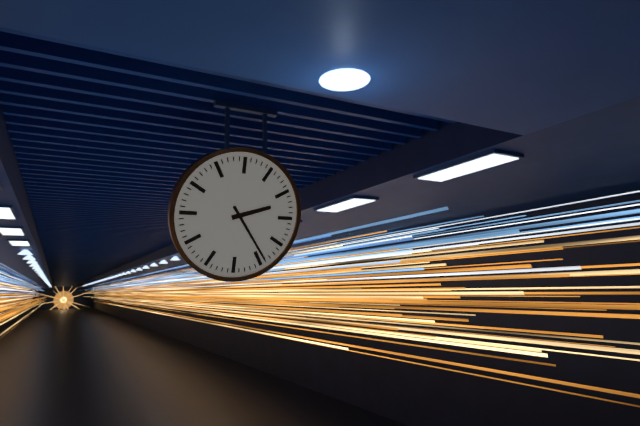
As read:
**2:24**
